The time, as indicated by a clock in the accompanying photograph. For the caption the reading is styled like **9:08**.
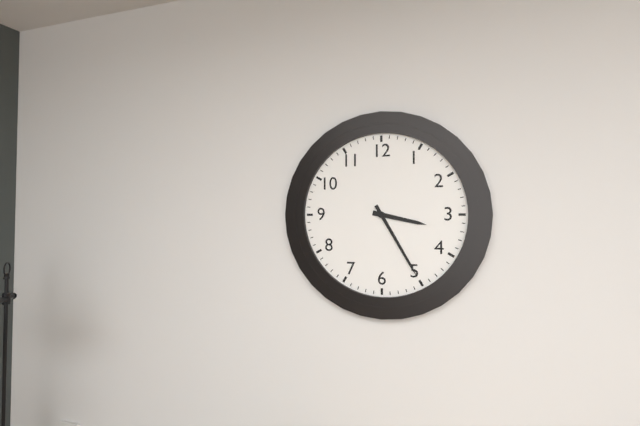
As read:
**3:25**
